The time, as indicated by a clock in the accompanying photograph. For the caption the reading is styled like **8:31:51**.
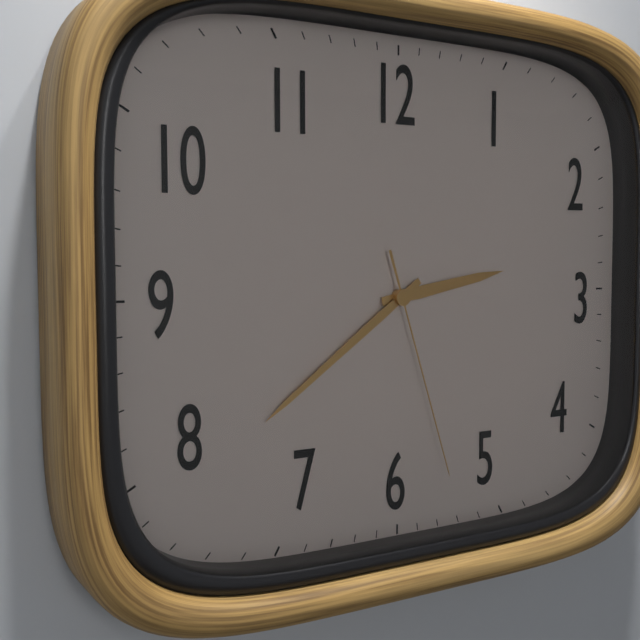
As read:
**2:39:27**
